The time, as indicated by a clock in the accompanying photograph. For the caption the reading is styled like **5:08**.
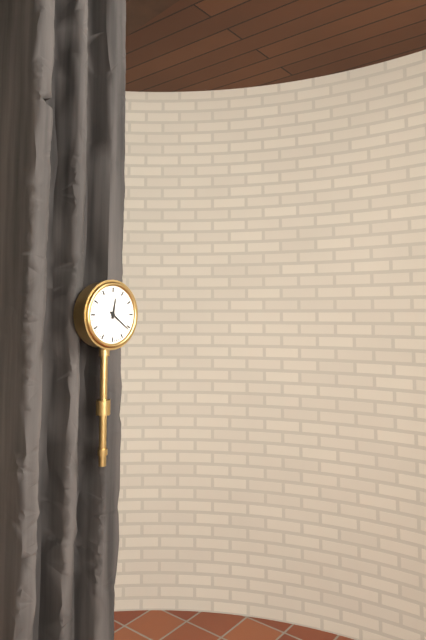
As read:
**12:21**
